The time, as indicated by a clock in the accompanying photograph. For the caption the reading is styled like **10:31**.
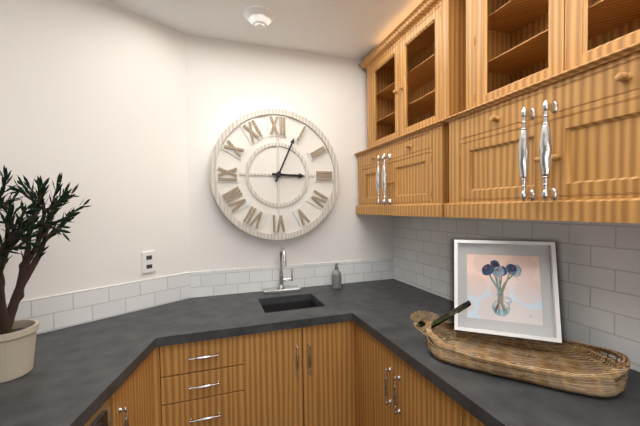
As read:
**3:04**
